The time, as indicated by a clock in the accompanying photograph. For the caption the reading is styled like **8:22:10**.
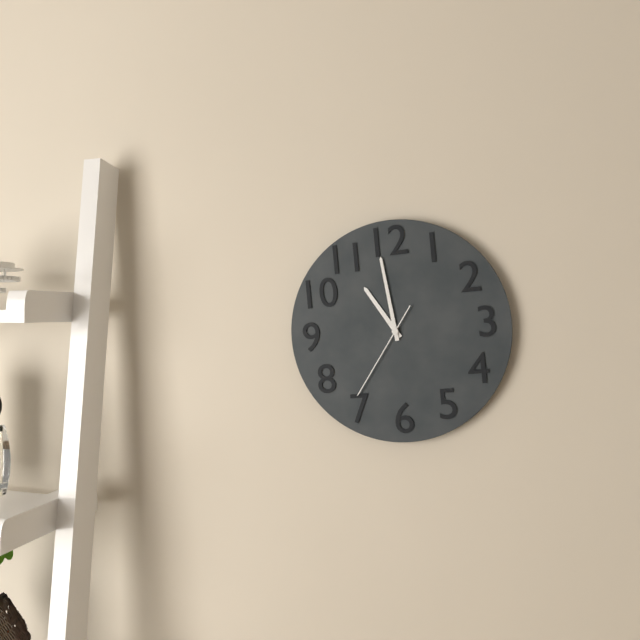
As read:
**10:59:36**
